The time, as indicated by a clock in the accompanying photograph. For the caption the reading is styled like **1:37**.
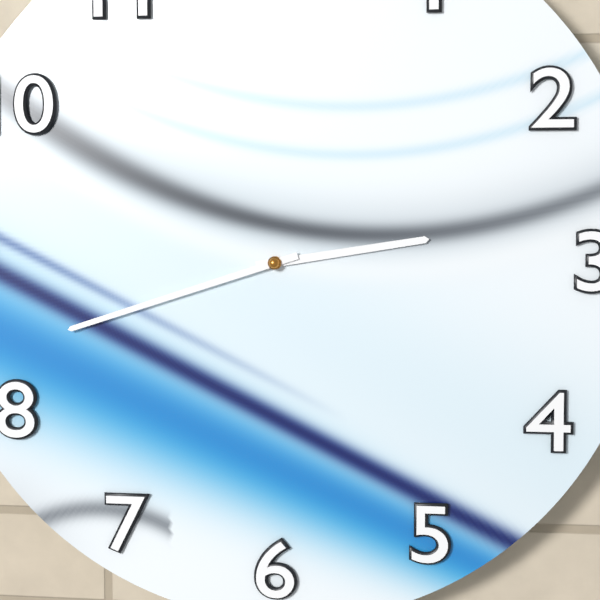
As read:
**2:42**
